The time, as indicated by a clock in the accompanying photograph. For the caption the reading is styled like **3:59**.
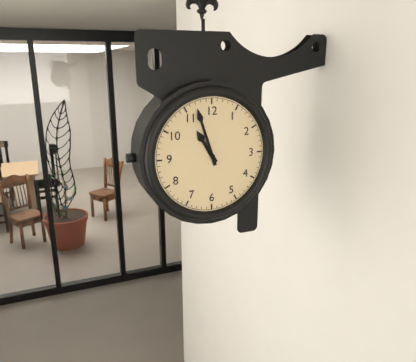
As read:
**10:57**
